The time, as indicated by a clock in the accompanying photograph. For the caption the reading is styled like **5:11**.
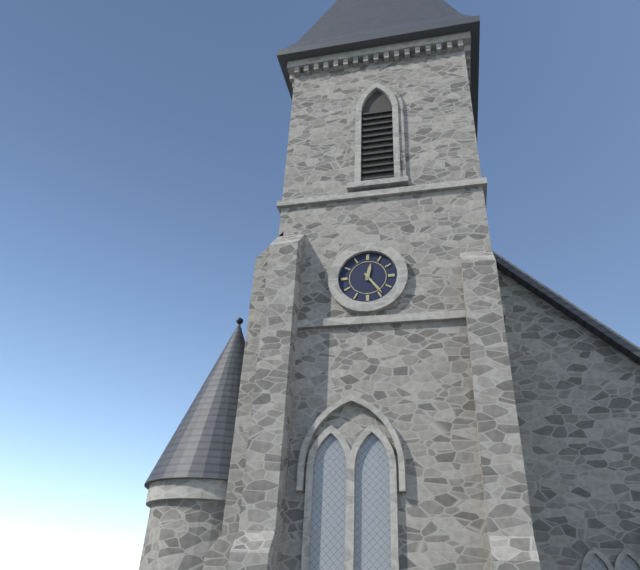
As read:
**12:24**
